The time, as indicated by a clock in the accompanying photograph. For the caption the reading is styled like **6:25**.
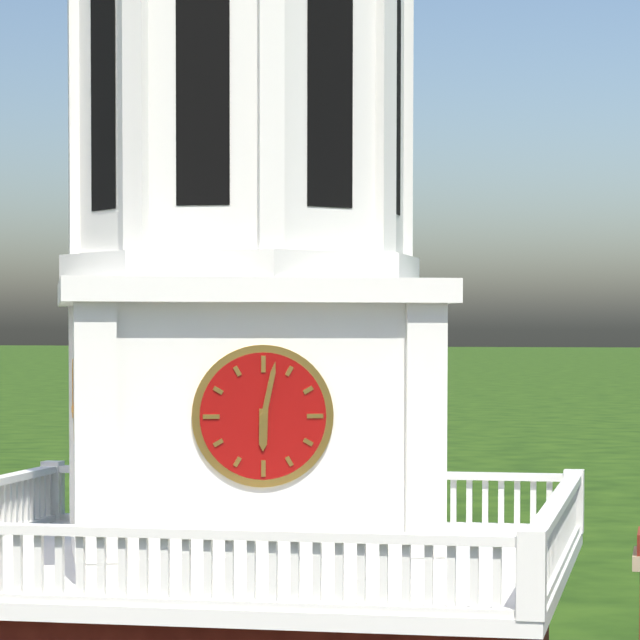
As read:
**6:02**
